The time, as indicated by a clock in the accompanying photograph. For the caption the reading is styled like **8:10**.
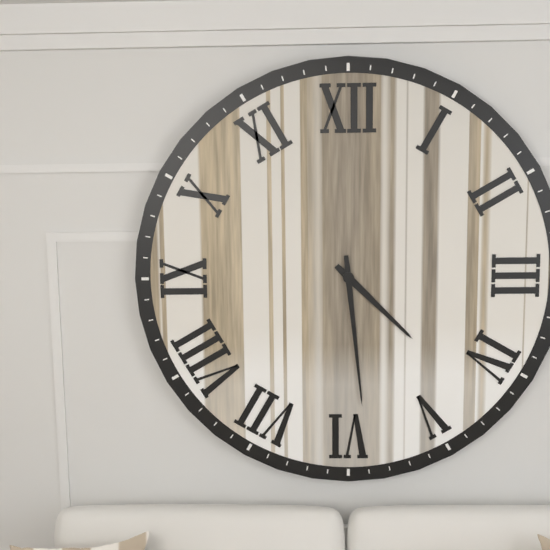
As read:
**4:29**
